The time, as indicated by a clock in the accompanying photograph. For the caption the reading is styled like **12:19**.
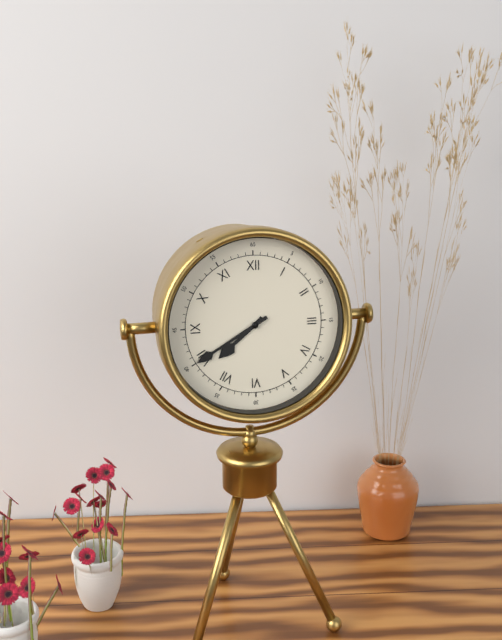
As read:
**7:40**
